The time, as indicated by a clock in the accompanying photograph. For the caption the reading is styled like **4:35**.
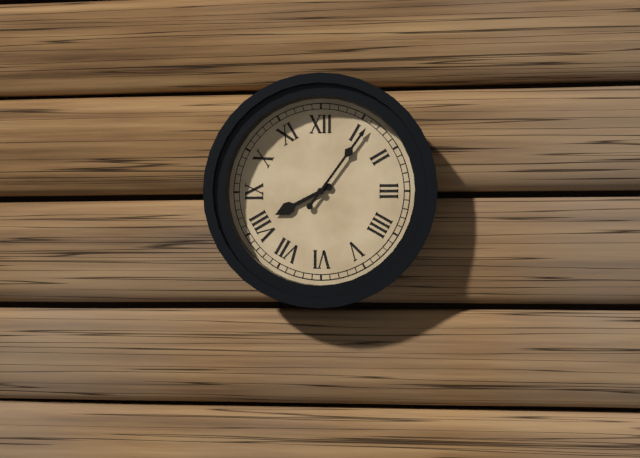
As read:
**8:06**
